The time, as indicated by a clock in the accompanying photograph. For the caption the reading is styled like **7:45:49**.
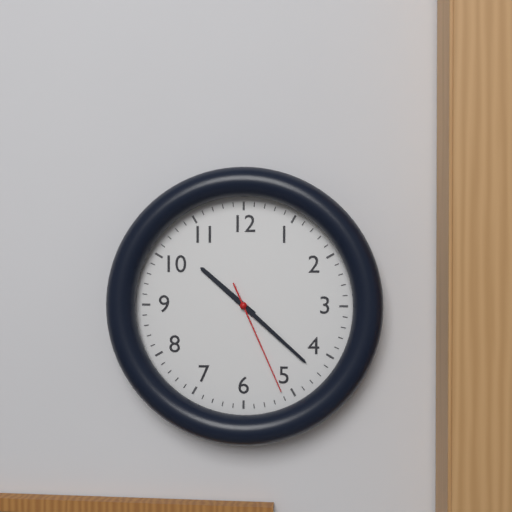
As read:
**10:22:26**
